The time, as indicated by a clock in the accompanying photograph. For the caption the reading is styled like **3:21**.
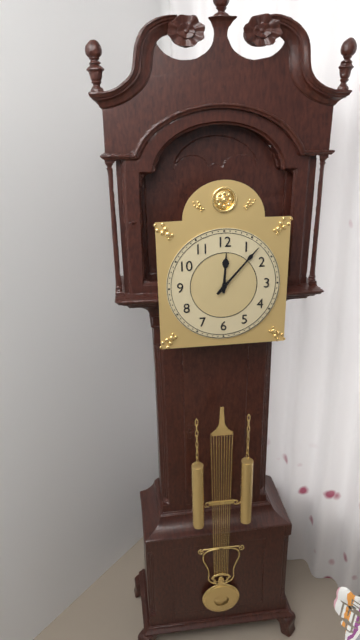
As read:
**12:07**
